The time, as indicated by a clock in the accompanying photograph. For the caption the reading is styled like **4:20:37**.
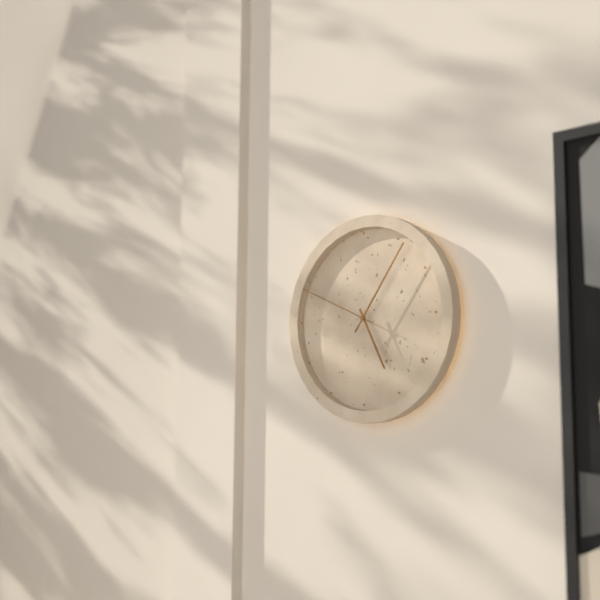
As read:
**5:06:49**
